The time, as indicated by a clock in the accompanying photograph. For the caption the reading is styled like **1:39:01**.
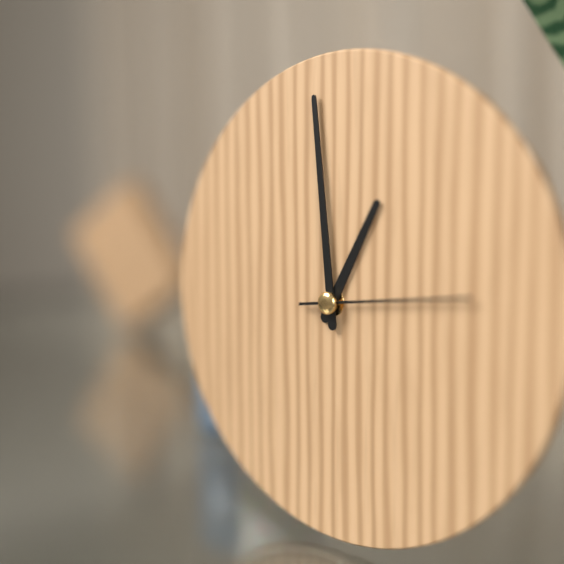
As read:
**12:59:14**
